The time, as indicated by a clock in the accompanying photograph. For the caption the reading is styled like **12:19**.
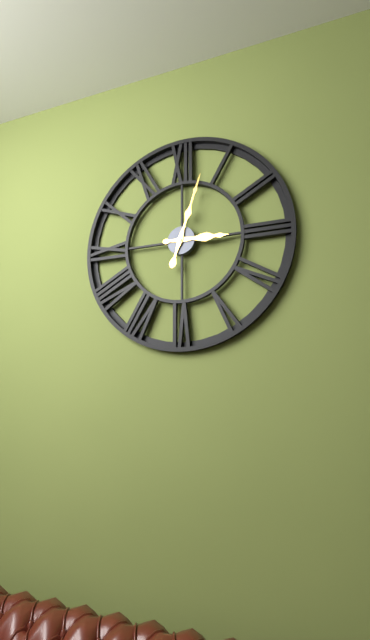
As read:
**3:03**
